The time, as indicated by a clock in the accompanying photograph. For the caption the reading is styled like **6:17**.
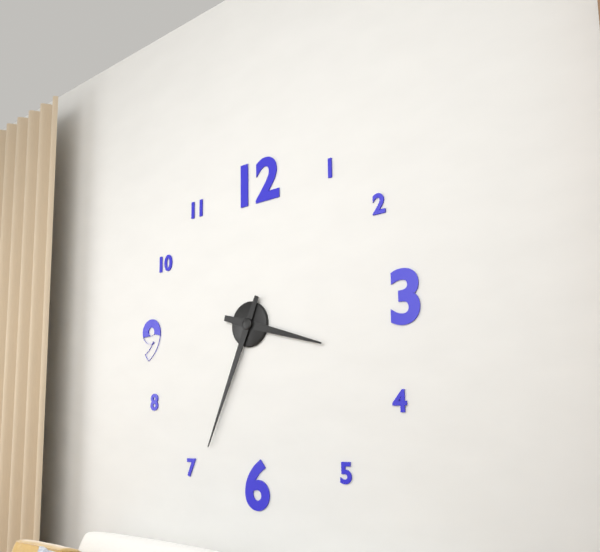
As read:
**3:34**
